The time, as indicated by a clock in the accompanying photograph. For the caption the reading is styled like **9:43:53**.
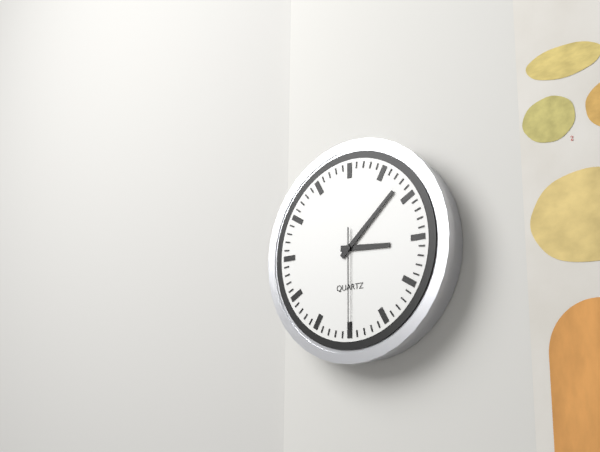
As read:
**3:08:30**
